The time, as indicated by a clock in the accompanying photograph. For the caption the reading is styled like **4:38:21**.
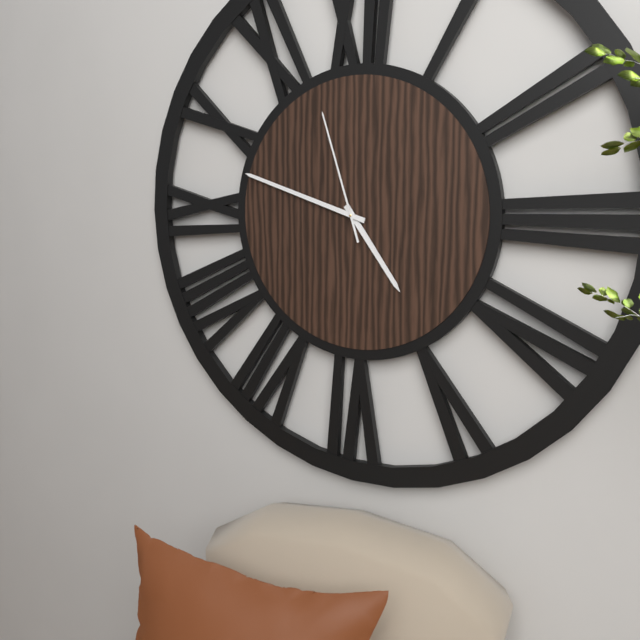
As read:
**4:48:57**
